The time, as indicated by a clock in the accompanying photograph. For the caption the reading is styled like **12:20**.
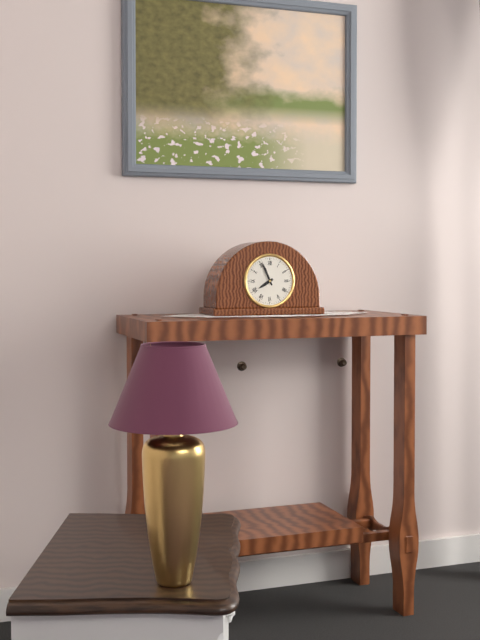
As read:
**7:56**
